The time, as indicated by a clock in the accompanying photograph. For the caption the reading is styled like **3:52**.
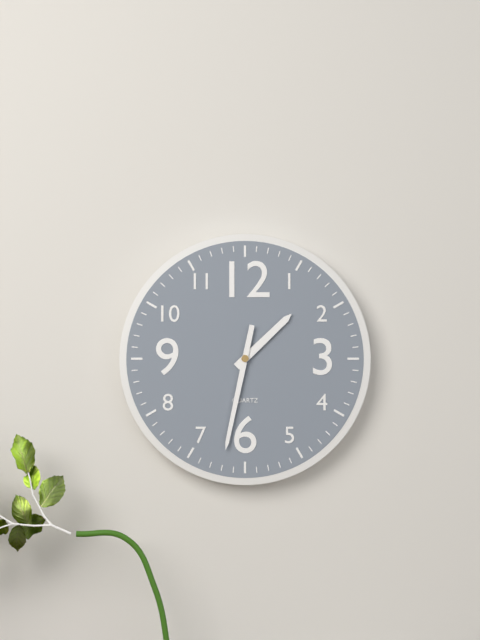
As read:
**1:32**
